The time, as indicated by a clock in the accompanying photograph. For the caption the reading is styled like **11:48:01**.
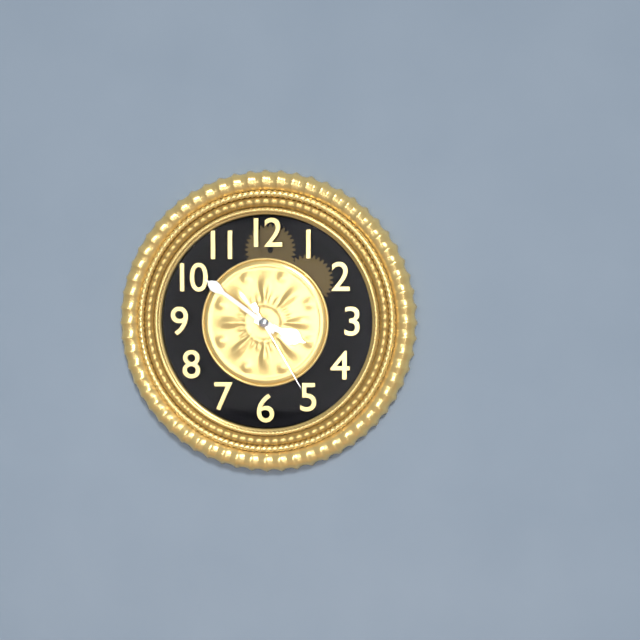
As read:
**3:51:25**
